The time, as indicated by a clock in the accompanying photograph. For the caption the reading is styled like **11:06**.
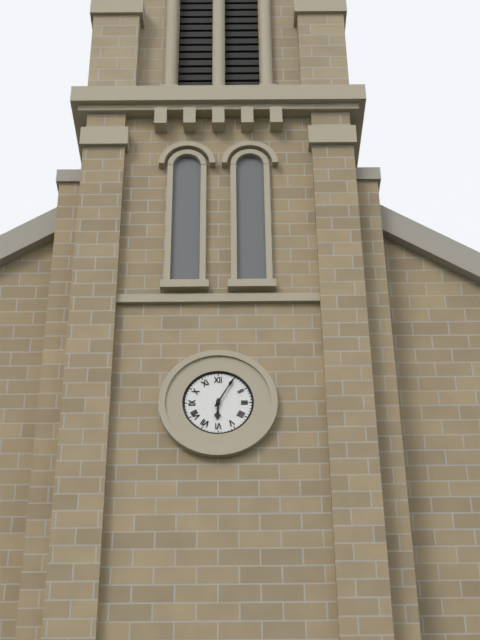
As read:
**6:05**
